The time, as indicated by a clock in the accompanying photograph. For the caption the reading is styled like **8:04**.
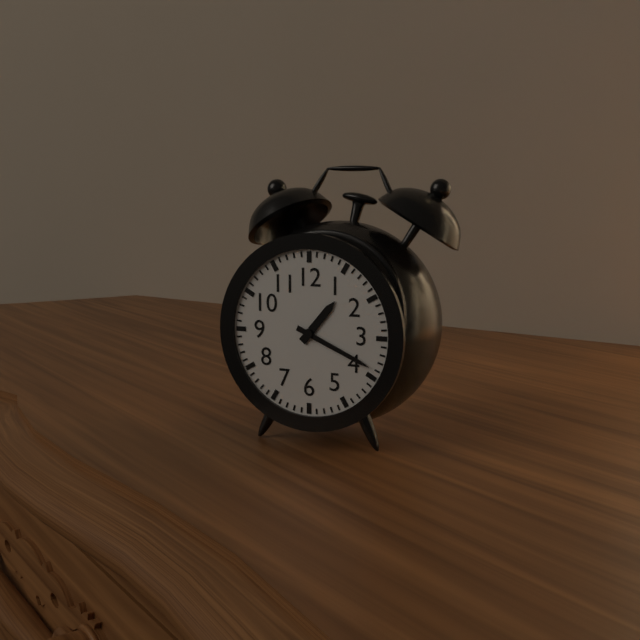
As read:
**1:19**
